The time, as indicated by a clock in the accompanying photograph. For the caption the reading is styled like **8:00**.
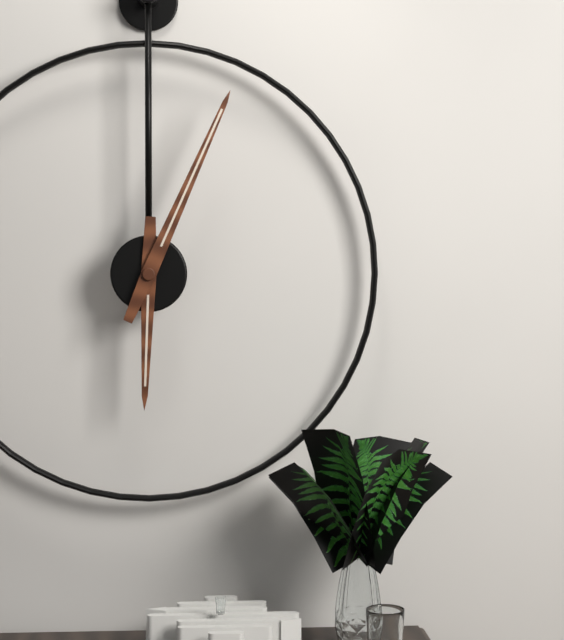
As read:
**6:04**
